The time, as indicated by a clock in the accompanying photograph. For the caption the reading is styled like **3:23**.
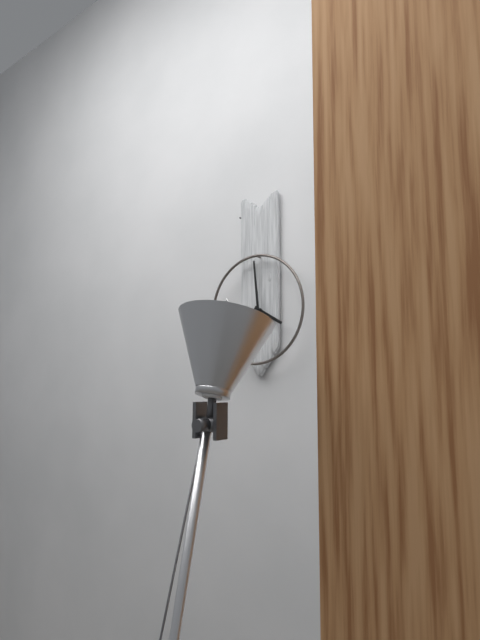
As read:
**3:59**
